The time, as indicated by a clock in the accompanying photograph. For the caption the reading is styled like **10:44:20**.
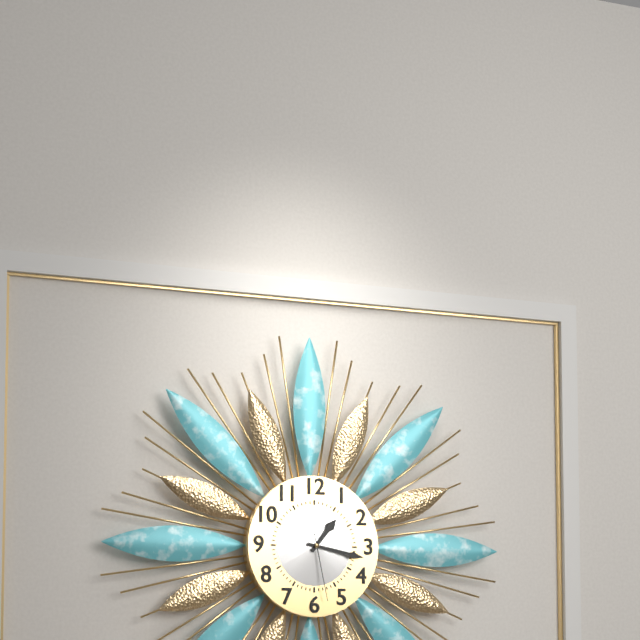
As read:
**1:17:28**
